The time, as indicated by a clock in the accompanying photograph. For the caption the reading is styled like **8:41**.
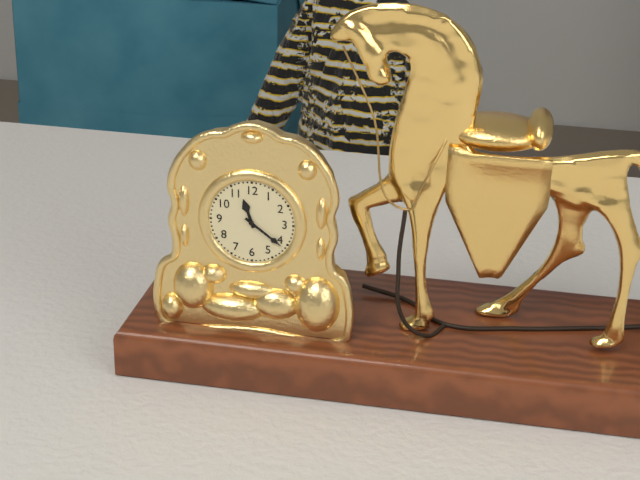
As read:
**11:21**
